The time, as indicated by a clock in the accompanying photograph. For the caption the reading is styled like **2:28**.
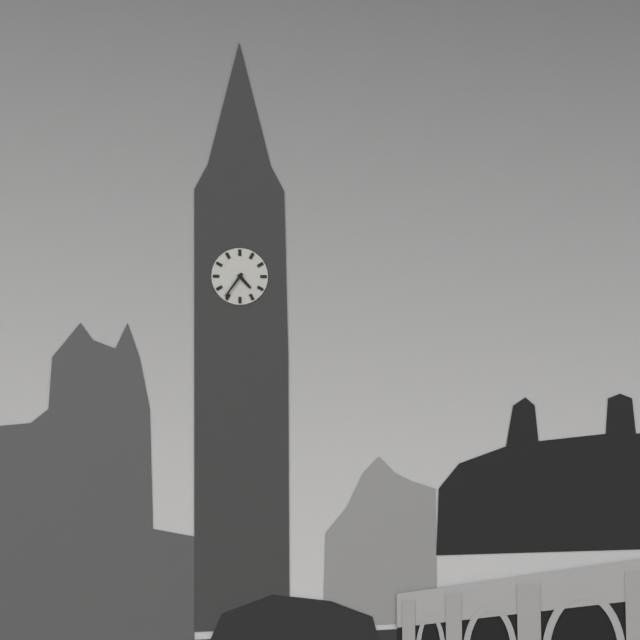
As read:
**4:36**
